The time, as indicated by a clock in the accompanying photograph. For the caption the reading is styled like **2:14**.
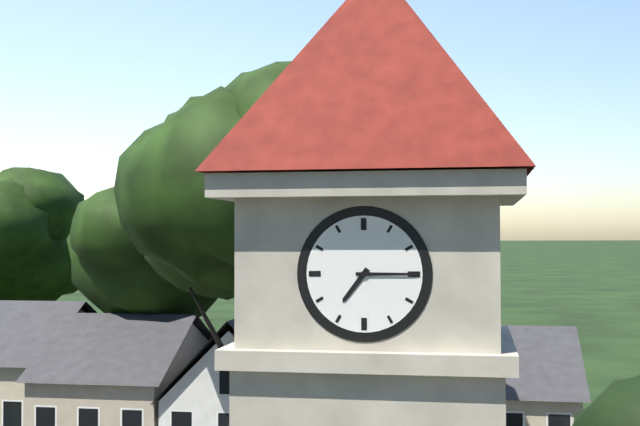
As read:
**7:15**
